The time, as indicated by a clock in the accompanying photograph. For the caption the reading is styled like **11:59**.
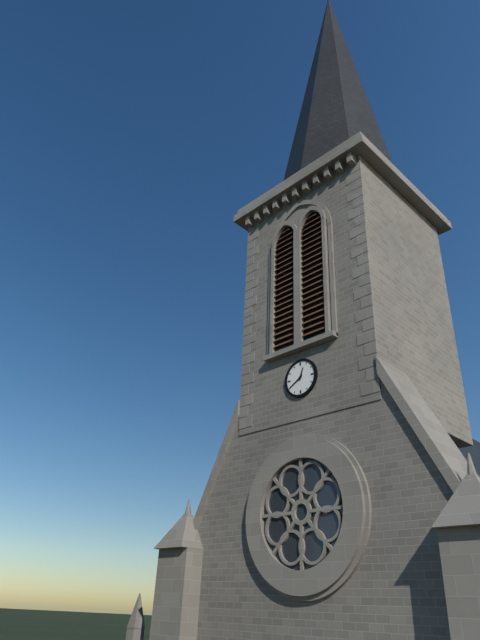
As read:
**12:40**
